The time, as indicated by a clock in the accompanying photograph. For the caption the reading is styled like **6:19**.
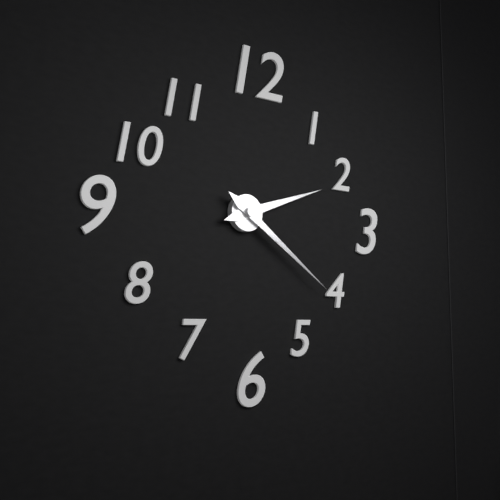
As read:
**2:21**
